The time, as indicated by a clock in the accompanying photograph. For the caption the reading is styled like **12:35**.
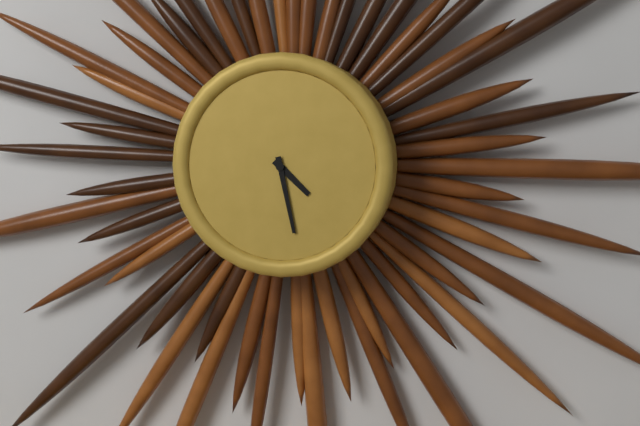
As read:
**4:28**
